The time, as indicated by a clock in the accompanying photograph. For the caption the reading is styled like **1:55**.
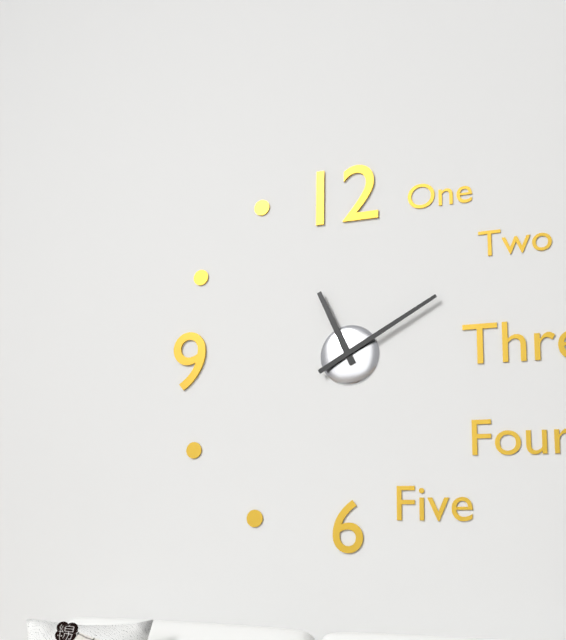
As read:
**11:10**
